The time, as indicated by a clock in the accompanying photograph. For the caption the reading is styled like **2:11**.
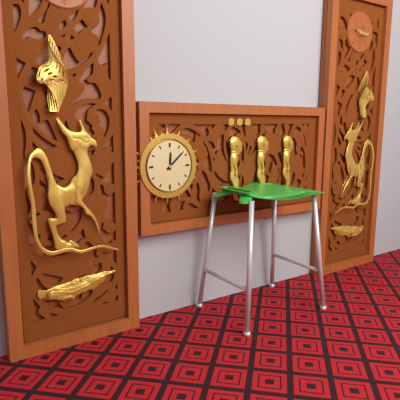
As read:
**12:08**
